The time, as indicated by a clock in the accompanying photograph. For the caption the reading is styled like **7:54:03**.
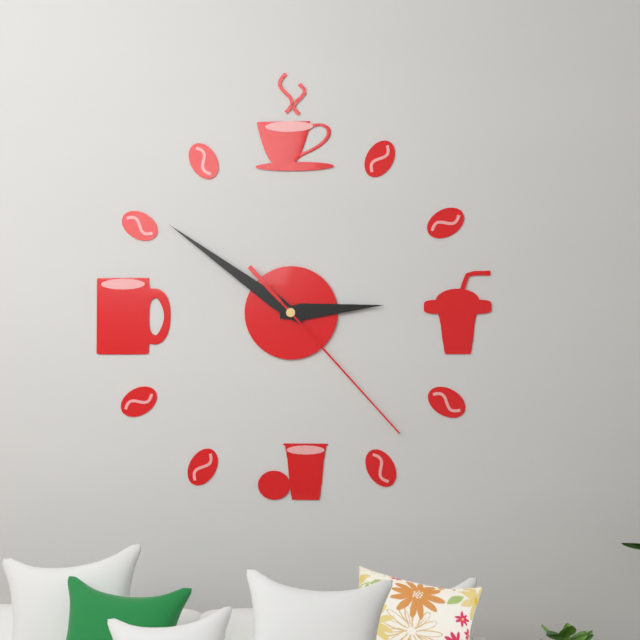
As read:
**2:51:23**
